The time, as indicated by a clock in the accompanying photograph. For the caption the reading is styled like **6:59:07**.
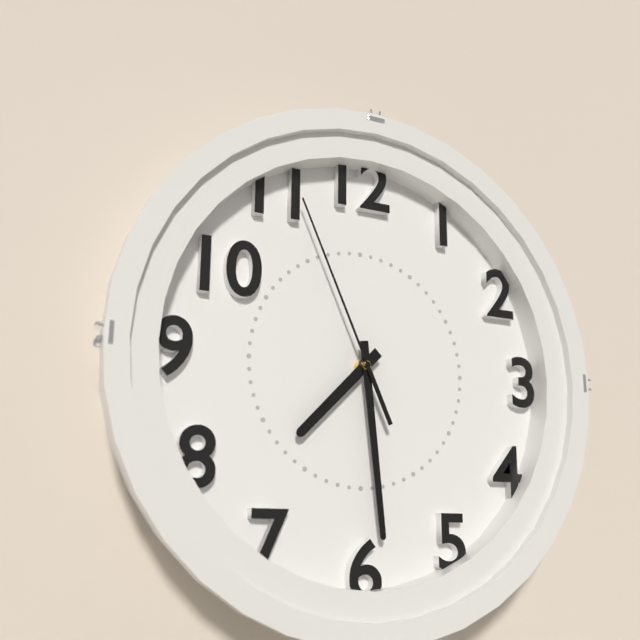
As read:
**7:29:56**
